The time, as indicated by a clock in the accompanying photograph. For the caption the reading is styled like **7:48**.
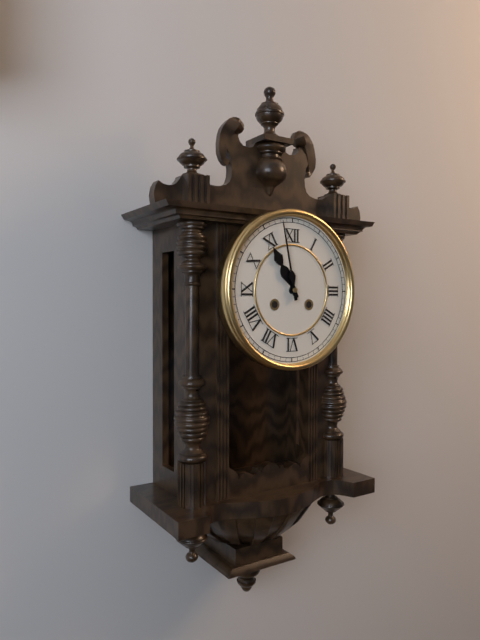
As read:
**10:58**
